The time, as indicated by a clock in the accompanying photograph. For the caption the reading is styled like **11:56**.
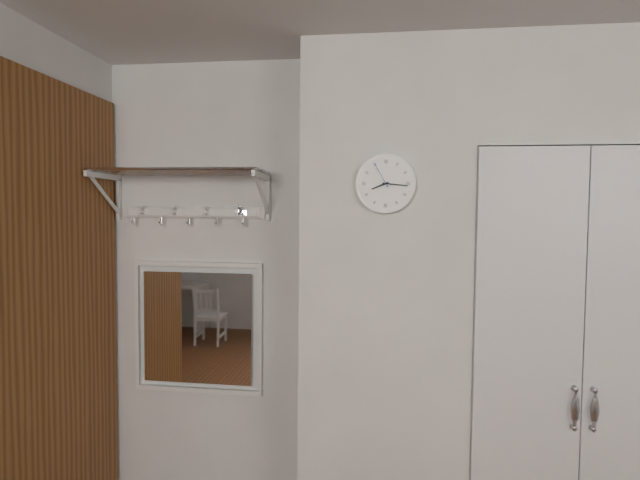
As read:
**8:16**
